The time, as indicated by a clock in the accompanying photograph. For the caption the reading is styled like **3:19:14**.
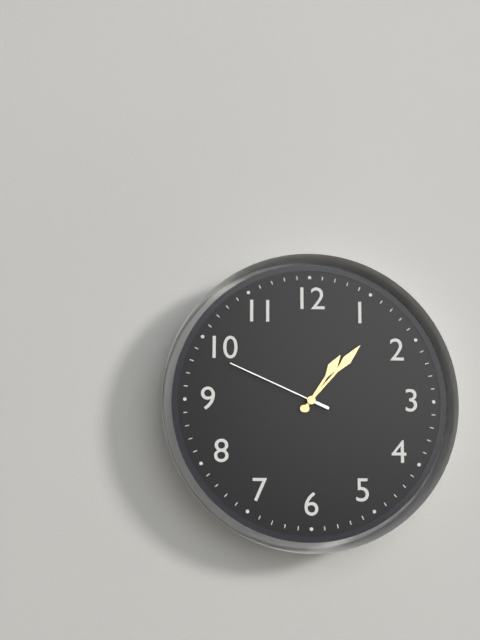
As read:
**1:07:49**
